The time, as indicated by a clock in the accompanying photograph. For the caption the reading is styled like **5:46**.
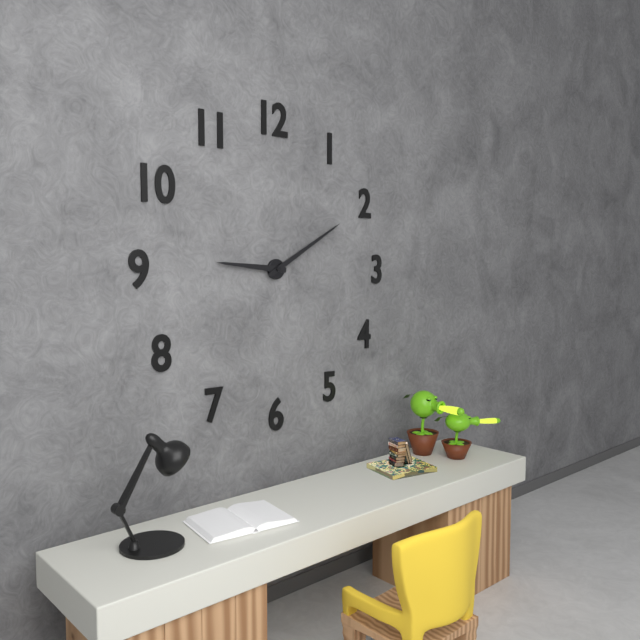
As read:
**9:10**
